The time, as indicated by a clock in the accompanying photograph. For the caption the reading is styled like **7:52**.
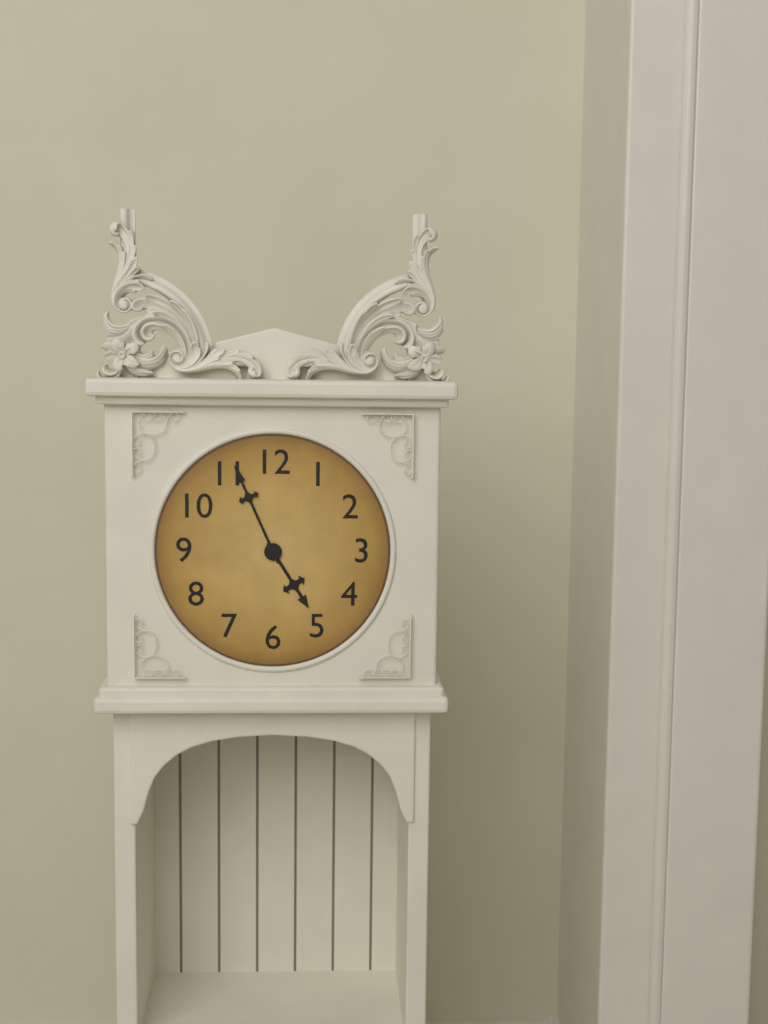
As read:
**4:56**
